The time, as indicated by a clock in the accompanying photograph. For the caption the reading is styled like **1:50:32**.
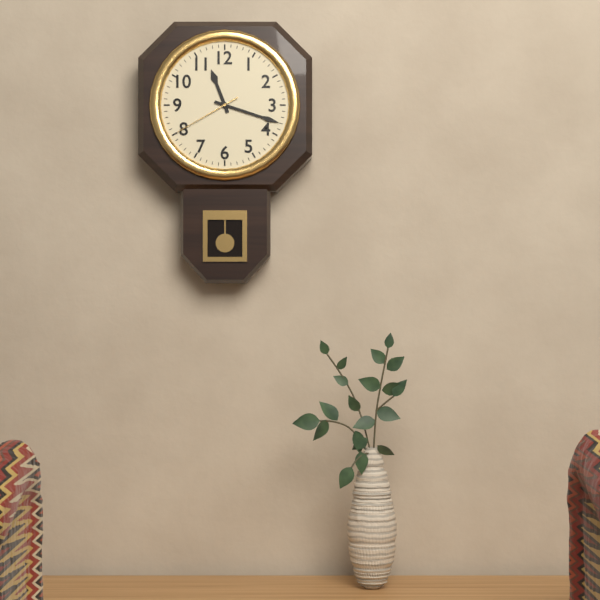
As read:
**11:18:40**
